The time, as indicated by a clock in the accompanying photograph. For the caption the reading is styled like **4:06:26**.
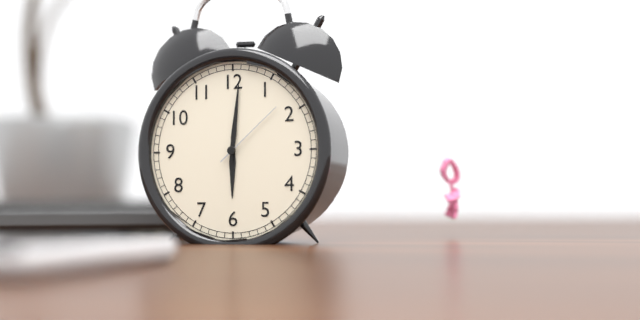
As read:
**6:01:08**
